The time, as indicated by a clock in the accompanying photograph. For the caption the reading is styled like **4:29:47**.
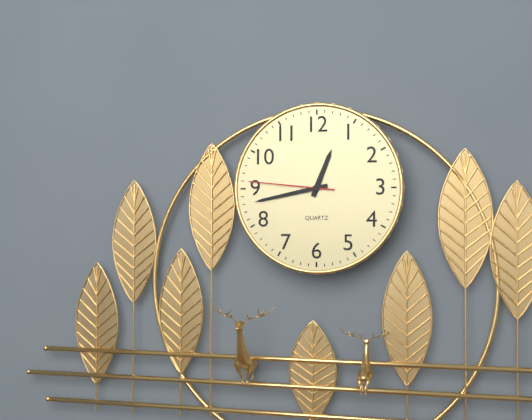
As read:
**12:43:46**
